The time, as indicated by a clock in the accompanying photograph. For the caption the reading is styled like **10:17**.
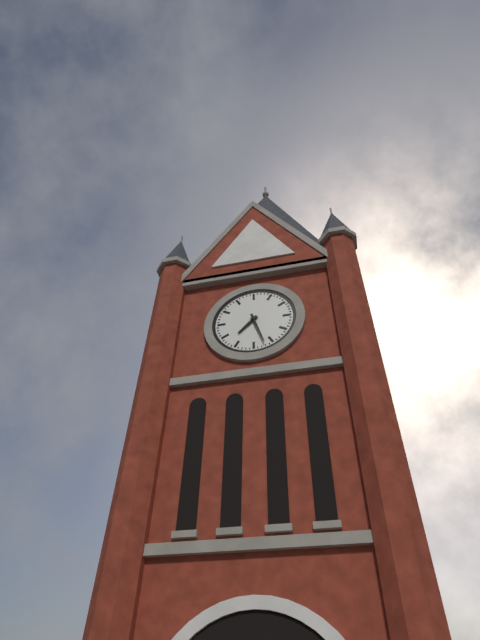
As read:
**7:27**
